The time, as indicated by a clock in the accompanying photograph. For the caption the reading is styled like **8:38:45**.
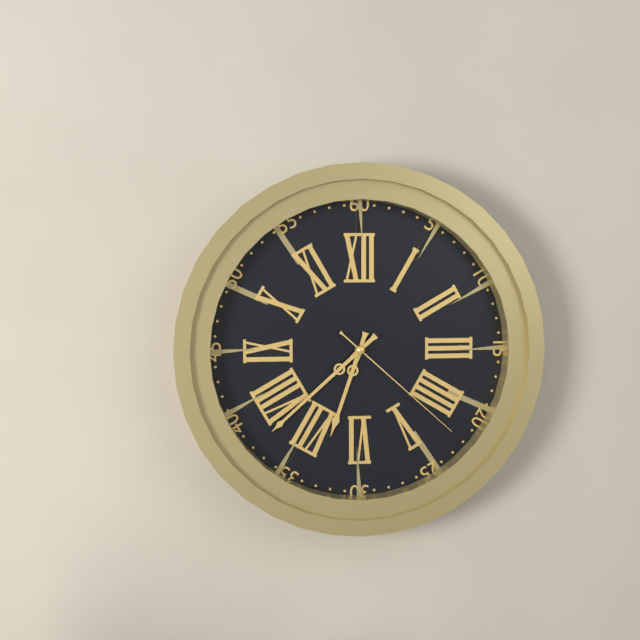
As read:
**6:38:22**
